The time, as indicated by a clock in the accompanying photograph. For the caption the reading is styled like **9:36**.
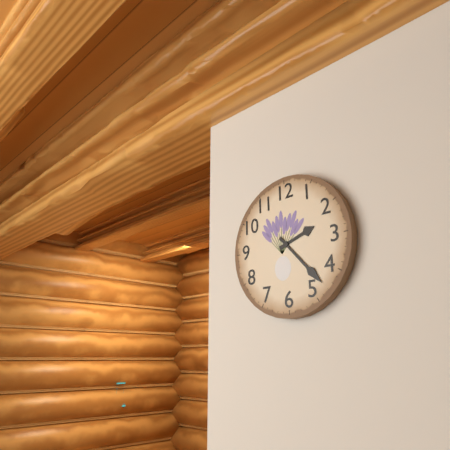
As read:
**2:23**
